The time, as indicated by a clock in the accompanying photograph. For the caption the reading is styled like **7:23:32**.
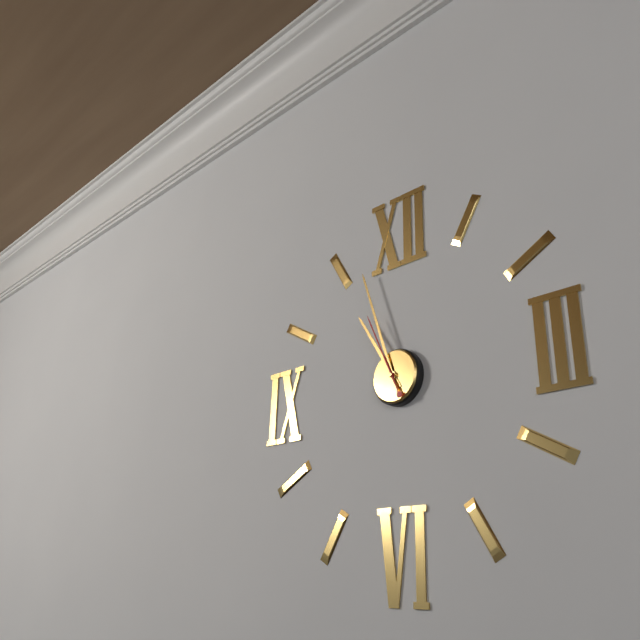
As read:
**10:57:56**
